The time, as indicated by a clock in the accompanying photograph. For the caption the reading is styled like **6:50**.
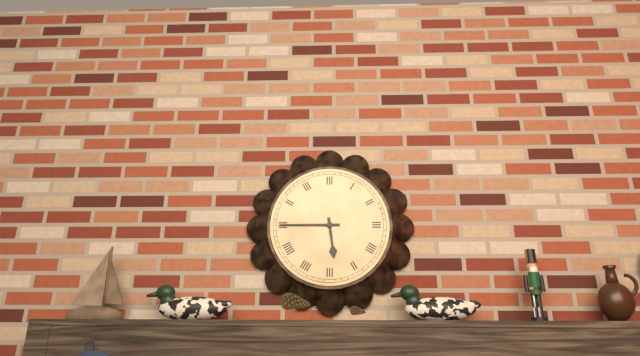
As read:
**5:45**
